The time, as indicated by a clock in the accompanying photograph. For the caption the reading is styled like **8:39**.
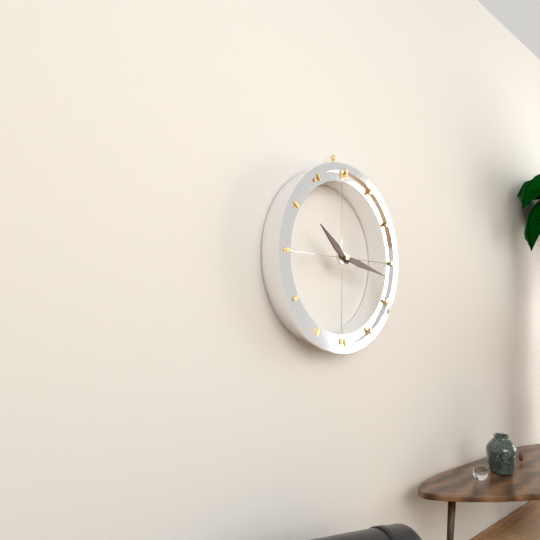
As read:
**10:17**
